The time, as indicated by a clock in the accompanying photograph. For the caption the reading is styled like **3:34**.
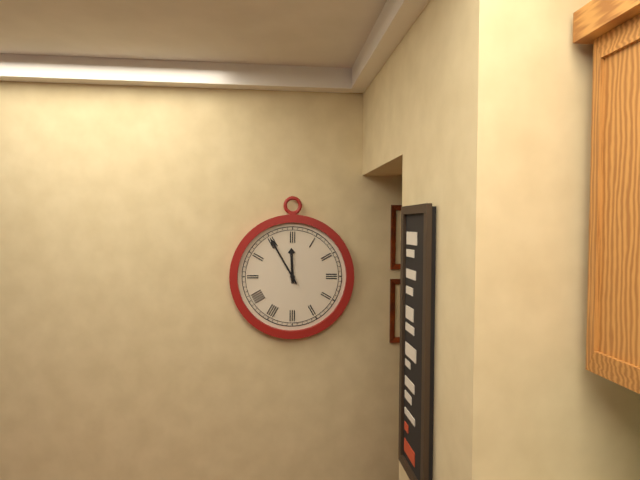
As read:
**11:55**
